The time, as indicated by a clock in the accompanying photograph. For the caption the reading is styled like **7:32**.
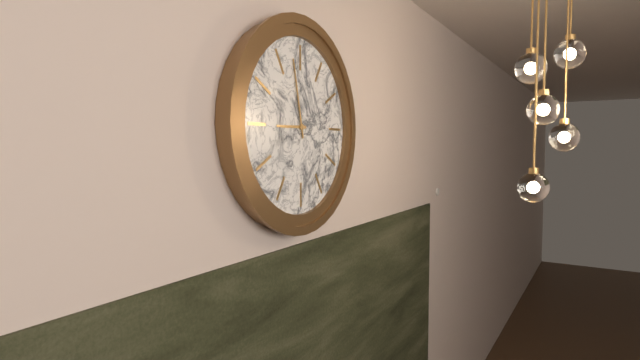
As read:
**8:58**
